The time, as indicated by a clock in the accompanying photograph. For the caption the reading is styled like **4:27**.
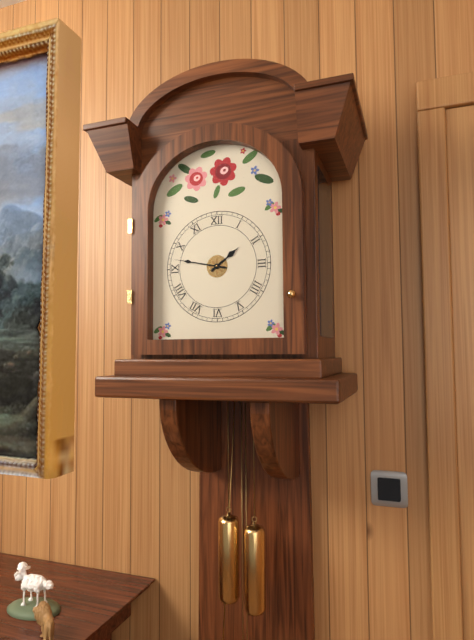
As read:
**1:47**
